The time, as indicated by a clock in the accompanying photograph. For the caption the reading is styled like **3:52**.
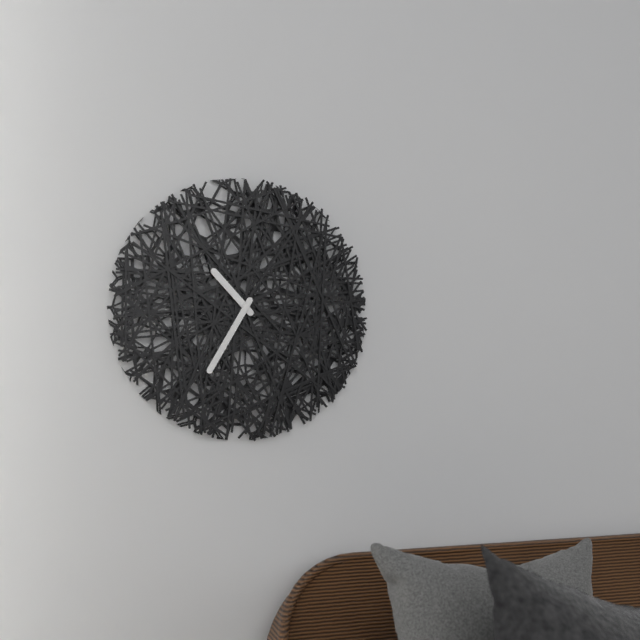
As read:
**10:35**
